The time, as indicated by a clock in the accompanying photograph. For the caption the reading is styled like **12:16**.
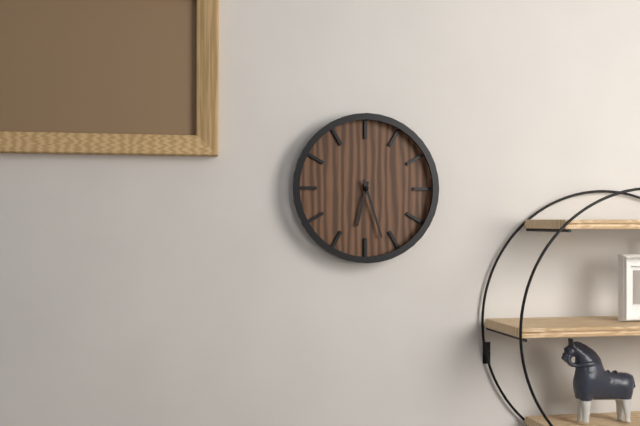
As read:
**6:27**
